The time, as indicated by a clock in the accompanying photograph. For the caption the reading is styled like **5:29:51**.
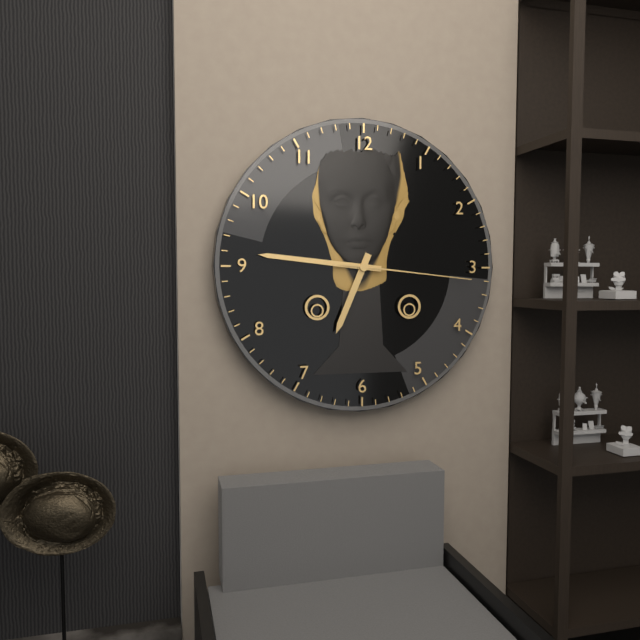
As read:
**6:46:16**
